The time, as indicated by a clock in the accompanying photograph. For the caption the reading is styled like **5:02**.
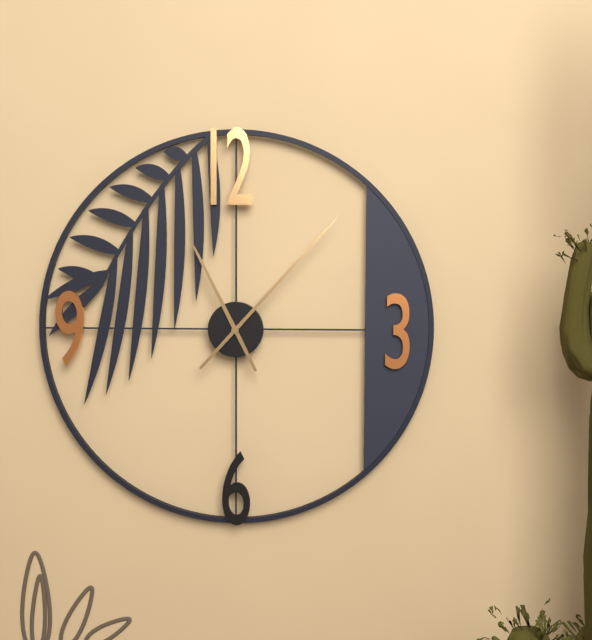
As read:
**11:07**
